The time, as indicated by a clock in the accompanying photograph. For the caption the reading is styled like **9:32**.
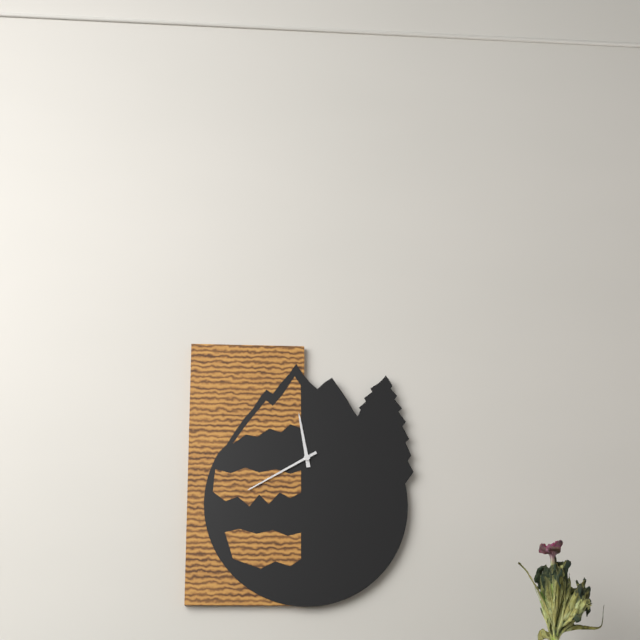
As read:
**11:40**
